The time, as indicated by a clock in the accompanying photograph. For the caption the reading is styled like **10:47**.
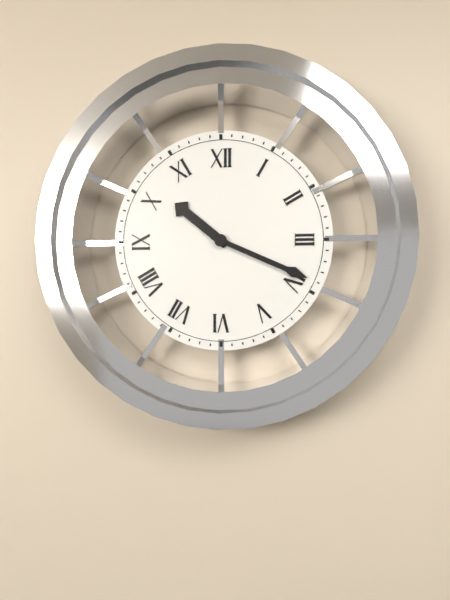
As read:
**10:19**
